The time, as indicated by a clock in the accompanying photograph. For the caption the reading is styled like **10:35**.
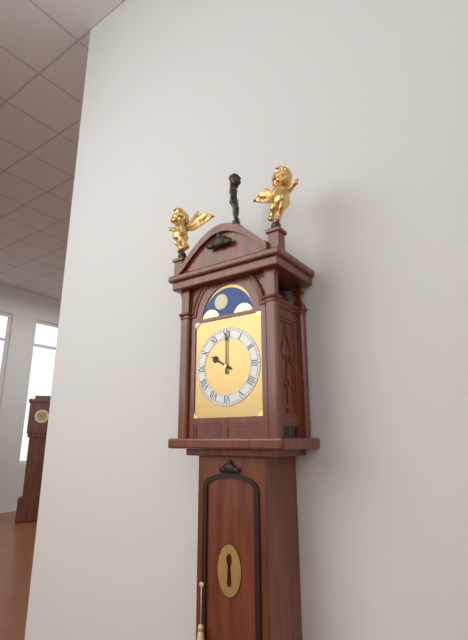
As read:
**10:00**
